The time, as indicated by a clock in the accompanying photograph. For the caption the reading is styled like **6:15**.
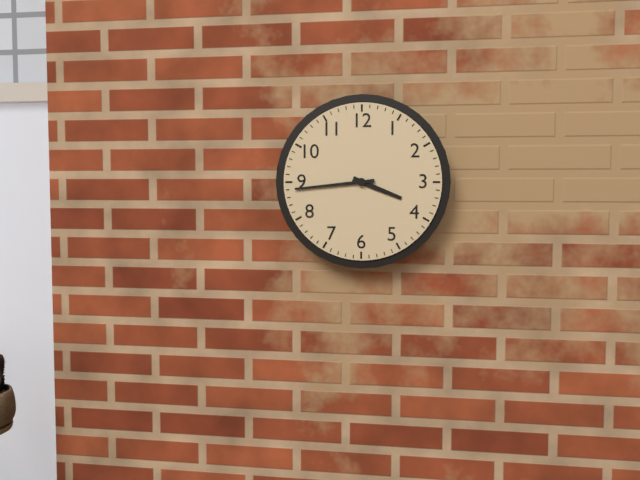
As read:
**3:44**
